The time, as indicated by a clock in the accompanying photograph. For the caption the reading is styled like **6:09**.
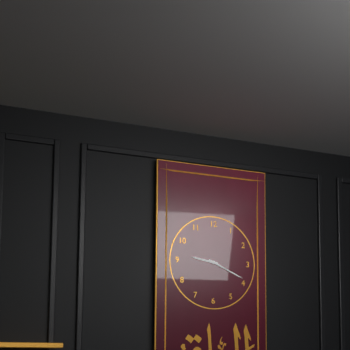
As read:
**9:19**
